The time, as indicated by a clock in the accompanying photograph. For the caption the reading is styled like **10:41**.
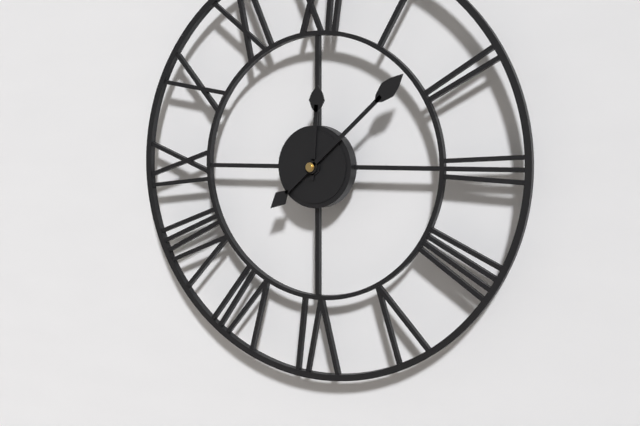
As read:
**12:08**
